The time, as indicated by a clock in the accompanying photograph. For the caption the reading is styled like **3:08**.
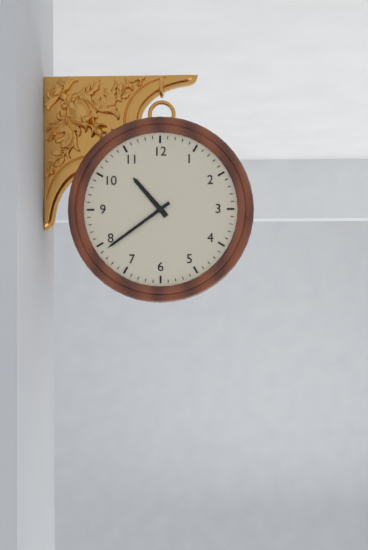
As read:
**10:39**
